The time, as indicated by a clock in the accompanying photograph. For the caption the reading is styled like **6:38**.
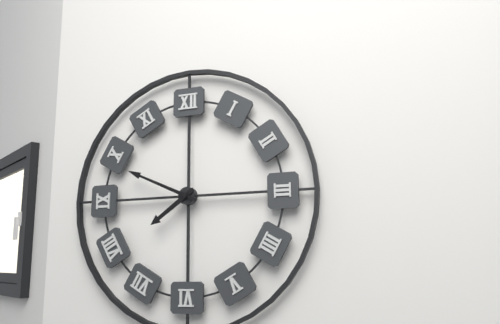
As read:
**7:49**
